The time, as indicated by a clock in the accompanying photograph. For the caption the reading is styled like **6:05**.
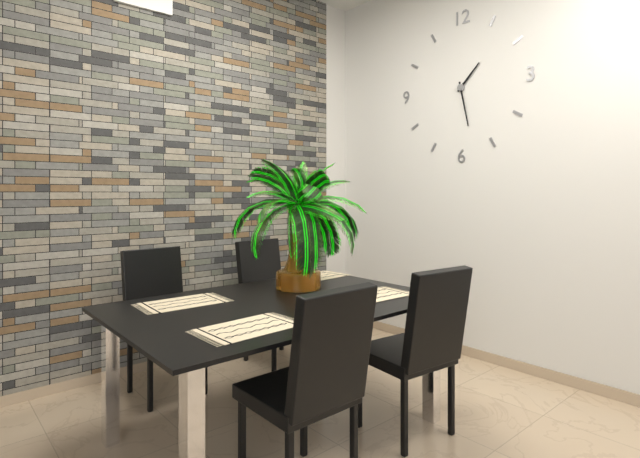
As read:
**1:28**
